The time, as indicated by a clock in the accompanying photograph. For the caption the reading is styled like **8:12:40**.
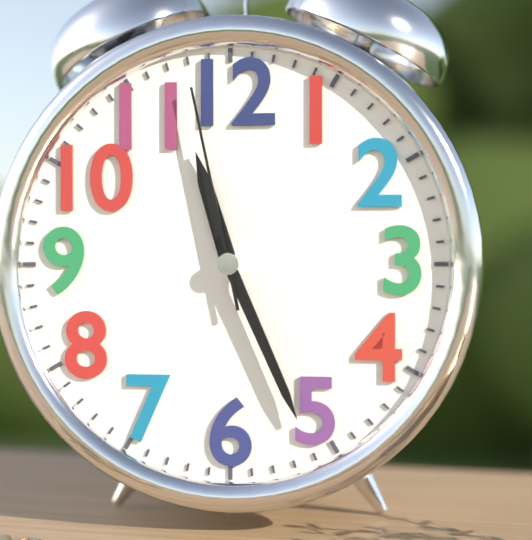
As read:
**11:26:58**
